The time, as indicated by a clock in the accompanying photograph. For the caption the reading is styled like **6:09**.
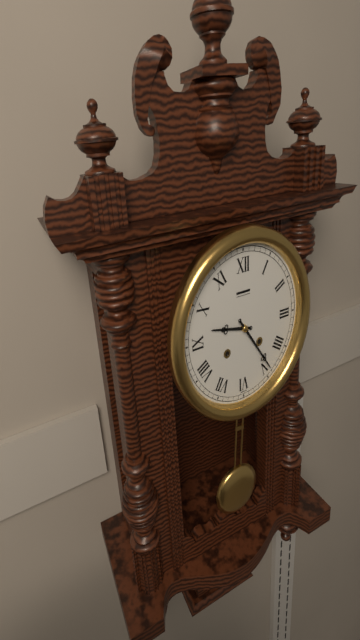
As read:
**9:24**
